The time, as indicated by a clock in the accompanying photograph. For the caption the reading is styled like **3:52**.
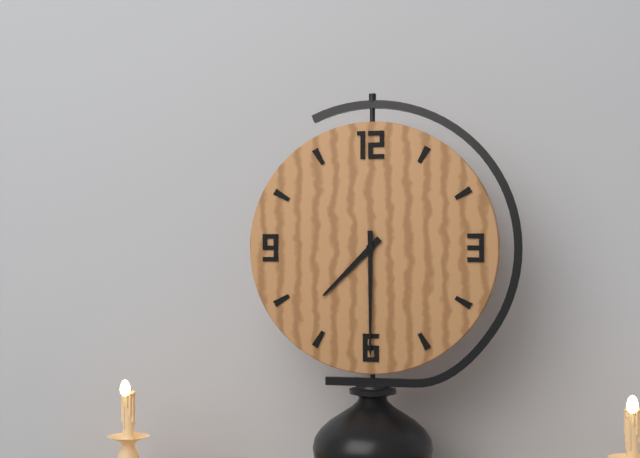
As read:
**7:30**
